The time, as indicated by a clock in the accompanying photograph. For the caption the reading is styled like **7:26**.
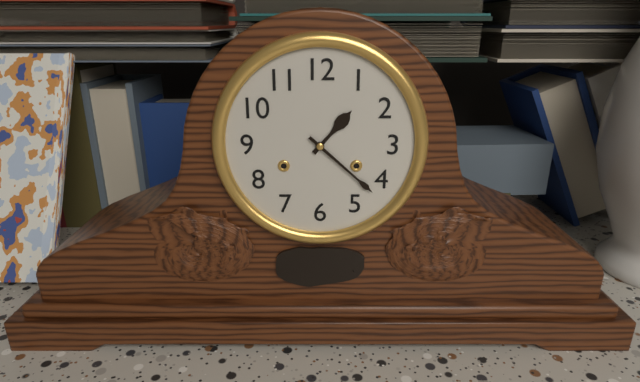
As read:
**1:22**
